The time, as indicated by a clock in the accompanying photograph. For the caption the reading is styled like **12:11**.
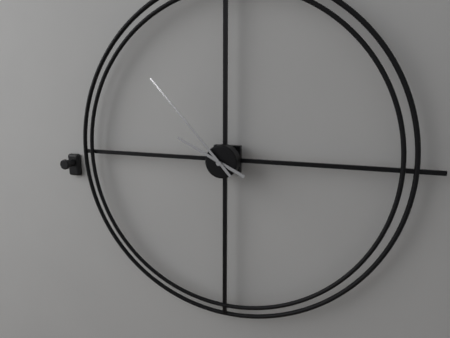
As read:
**9:53**
